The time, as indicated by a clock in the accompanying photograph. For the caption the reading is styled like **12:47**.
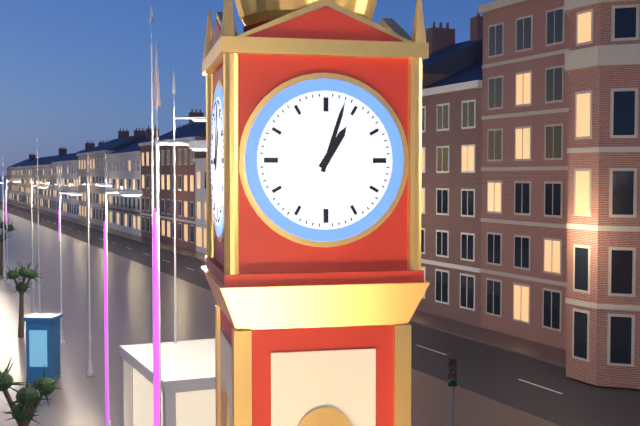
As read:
**1:03**
